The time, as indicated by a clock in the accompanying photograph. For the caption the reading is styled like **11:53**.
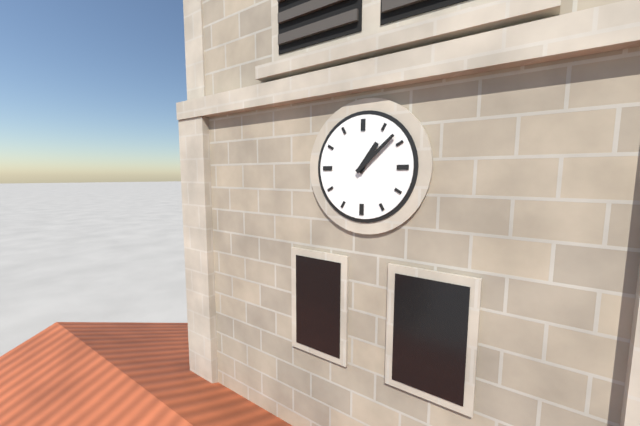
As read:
**1:08**
